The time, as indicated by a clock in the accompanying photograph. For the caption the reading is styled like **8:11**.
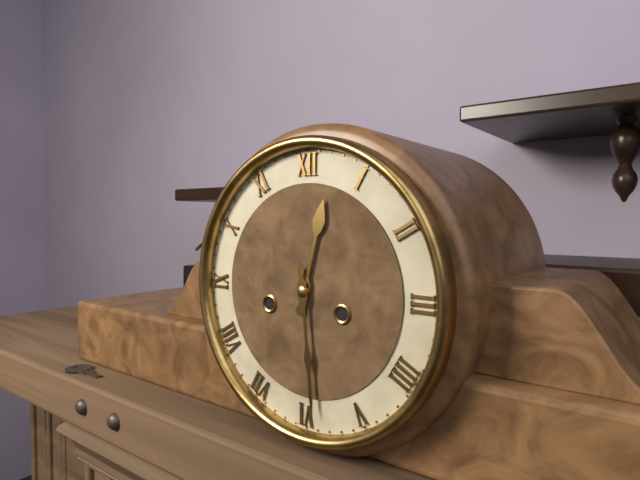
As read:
**12:29**
